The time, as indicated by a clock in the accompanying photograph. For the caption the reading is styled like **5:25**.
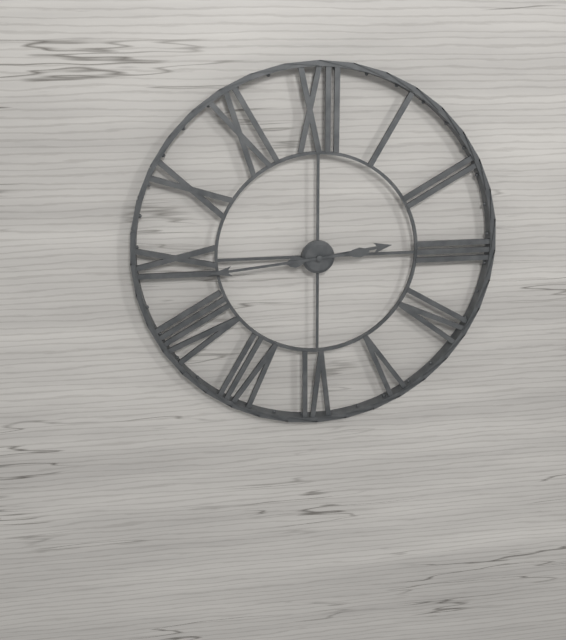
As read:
**2:44**
